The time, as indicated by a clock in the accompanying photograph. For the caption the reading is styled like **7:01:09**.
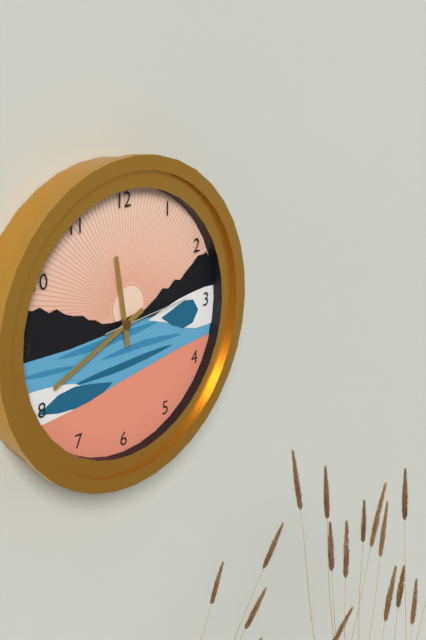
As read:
**11:41:14**
